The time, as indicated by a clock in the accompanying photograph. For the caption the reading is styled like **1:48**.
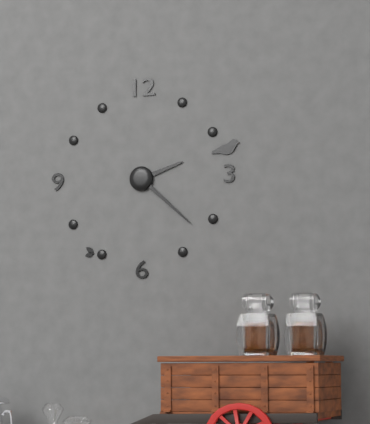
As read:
**2:22**
